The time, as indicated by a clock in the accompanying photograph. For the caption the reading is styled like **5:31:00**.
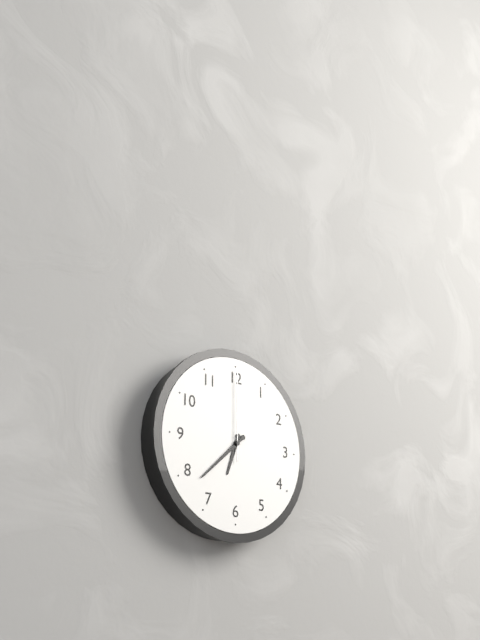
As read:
**6:38:00**
